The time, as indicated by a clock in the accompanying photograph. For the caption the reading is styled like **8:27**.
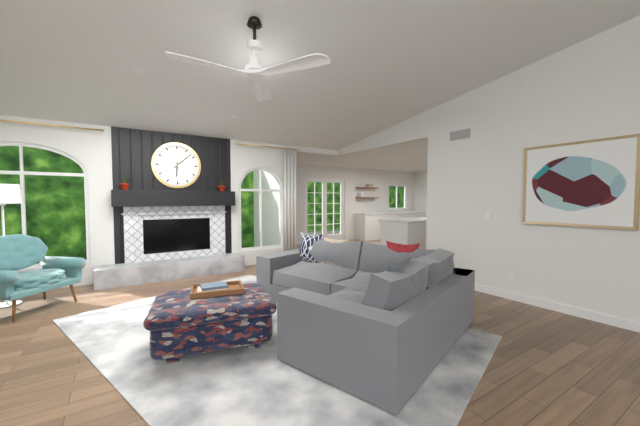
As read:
**6:08**
